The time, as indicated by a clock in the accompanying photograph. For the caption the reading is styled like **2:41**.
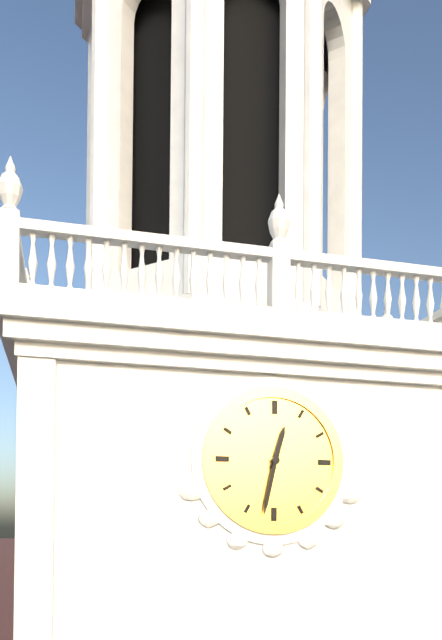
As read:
**12:32**
